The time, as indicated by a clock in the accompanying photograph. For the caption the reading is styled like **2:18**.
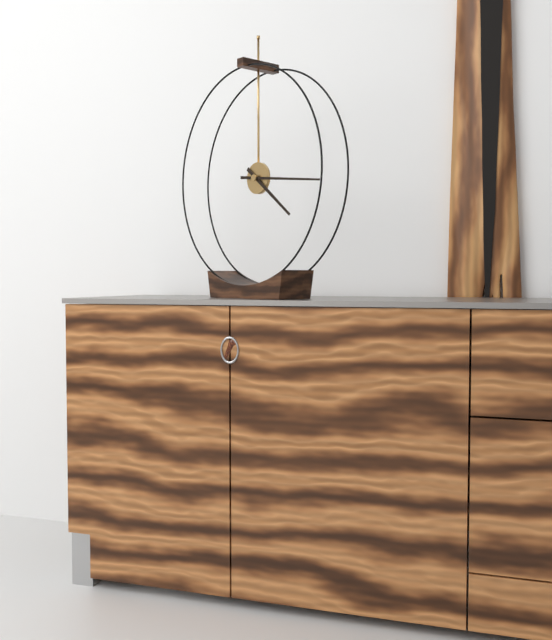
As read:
**4:16**
